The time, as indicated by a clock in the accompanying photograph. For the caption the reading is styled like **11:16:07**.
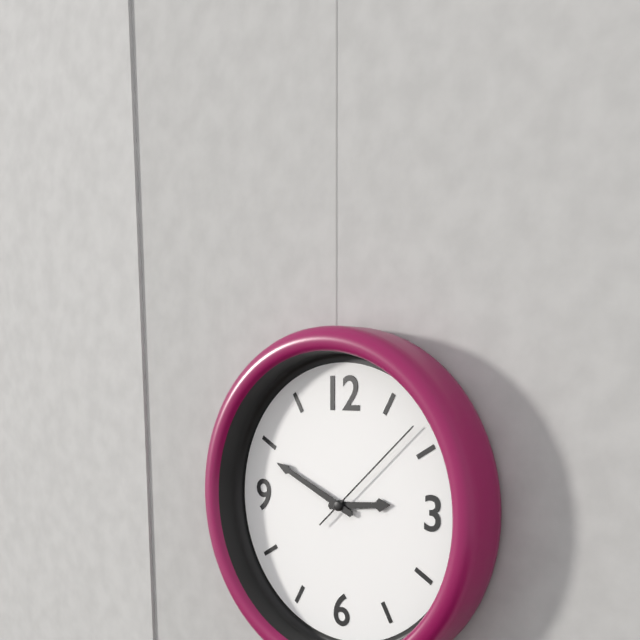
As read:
**2:49:08**
